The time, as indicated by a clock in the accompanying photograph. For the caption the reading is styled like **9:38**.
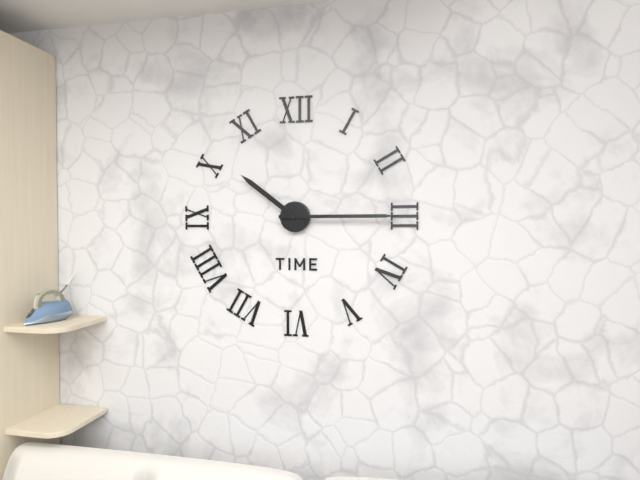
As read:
**10:15**
